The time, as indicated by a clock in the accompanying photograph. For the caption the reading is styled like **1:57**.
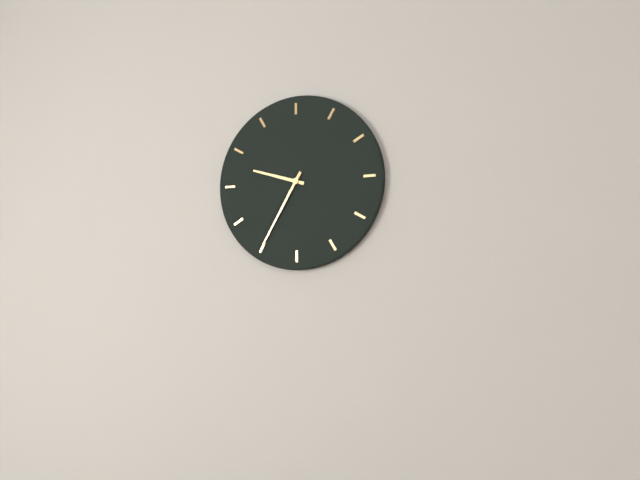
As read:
**9:35**
